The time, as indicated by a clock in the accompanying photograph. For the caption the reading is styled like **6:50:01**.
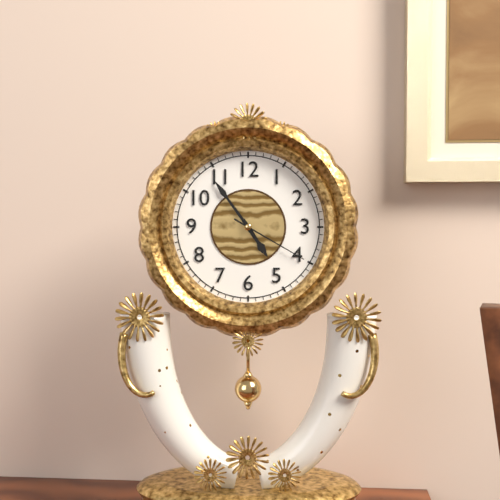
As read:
**4:54:20**
